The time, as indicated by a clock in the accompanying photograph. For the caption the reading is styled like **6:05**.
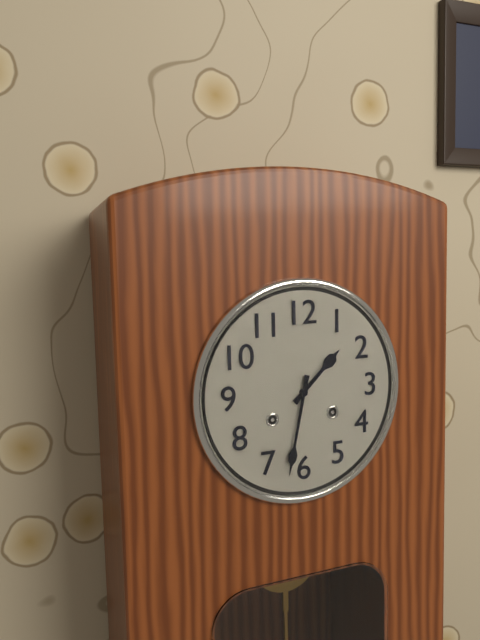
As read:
**1:32**
